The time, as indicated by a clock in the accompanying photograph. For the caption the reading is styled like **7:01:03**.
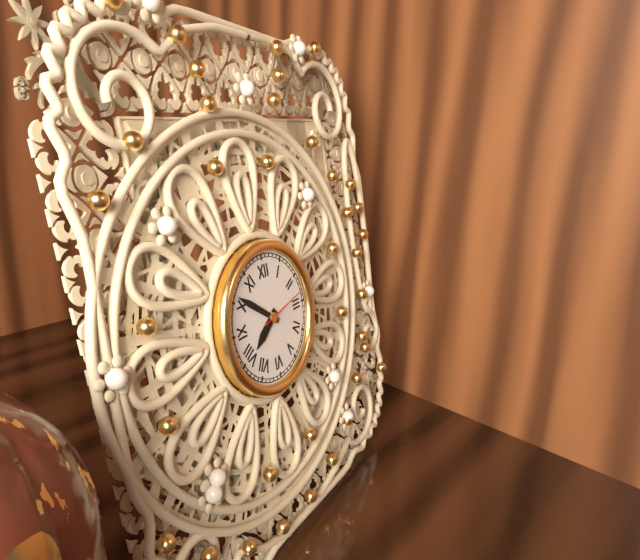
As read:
**7:51:13**
